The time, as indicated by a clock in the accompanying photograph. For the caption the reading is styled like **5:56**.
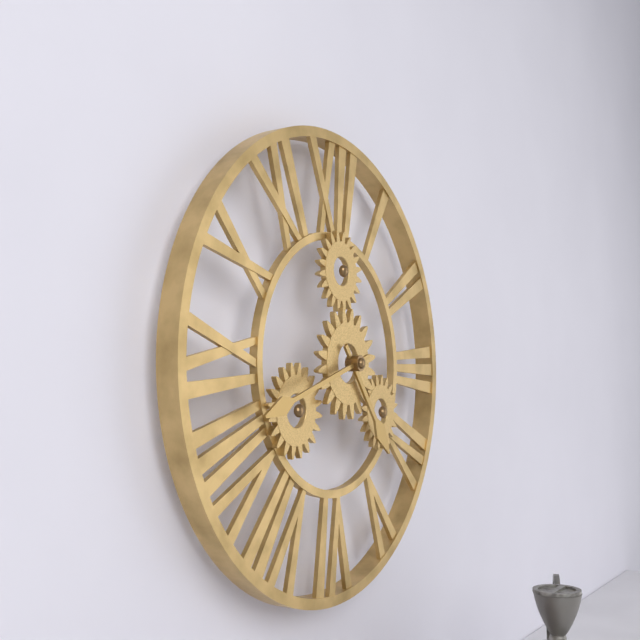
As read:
**4:42**
